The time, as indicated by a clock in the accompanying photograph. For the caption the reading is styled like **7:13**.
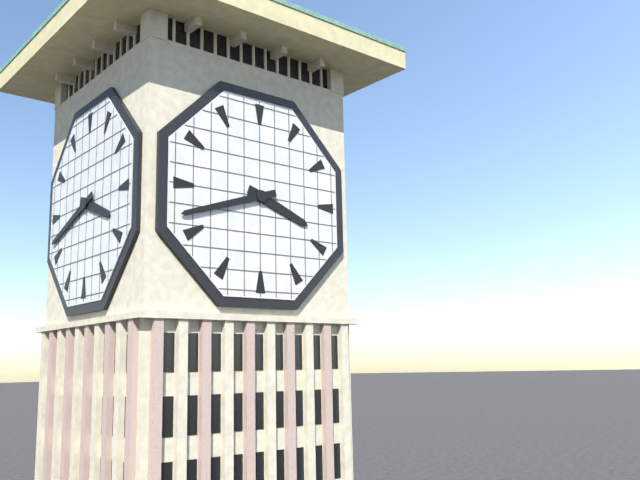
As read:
**3:42**
